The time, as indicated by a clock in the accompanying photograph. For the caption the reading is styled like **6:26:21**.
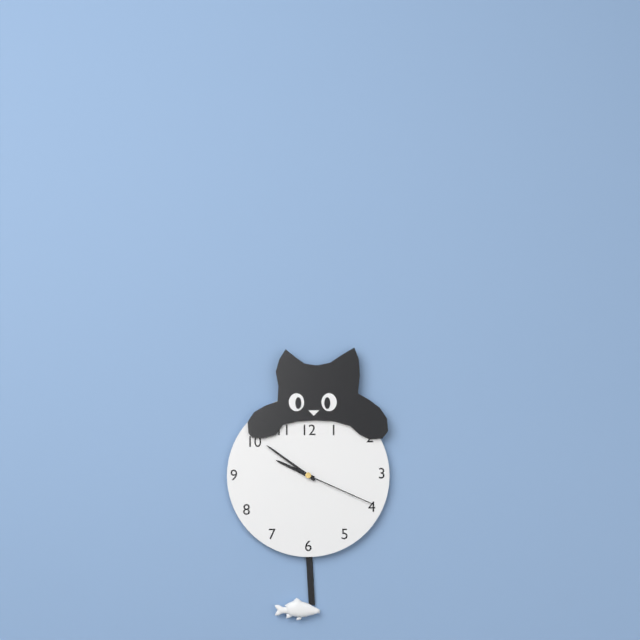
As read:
**9:51:19**
